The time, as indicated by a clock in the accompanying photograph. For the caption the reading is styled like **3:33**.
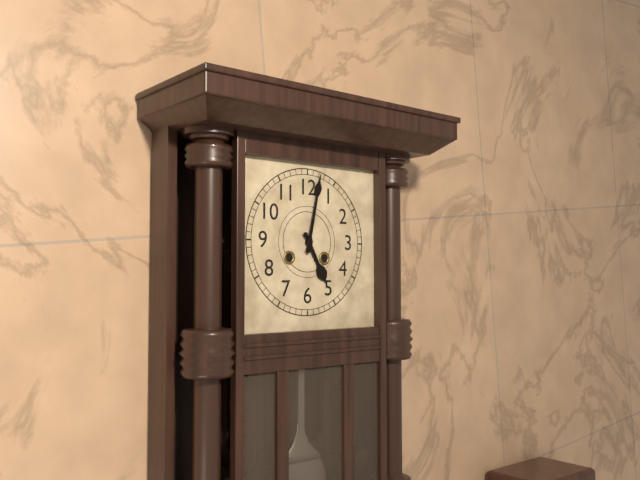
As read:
**5:02**
